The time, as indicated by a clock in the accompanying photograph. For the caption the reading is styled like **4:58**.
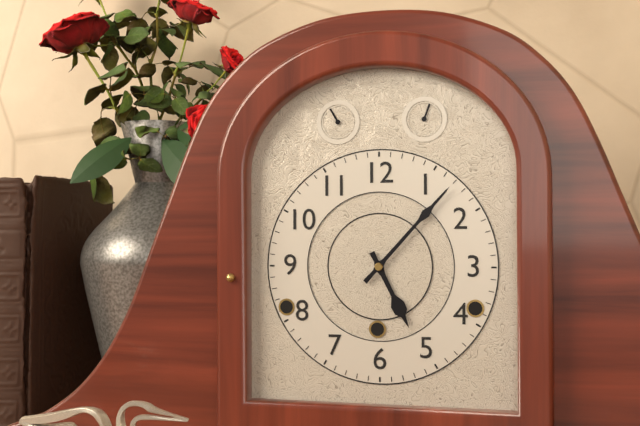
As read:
**5:07**
